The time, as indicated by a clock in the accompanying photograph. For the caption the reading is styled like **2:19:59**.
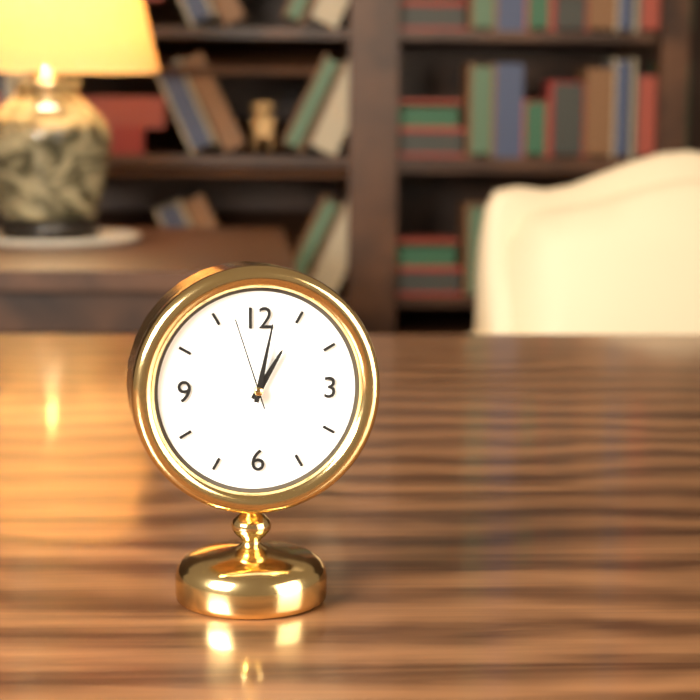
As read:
**1:02:57**
